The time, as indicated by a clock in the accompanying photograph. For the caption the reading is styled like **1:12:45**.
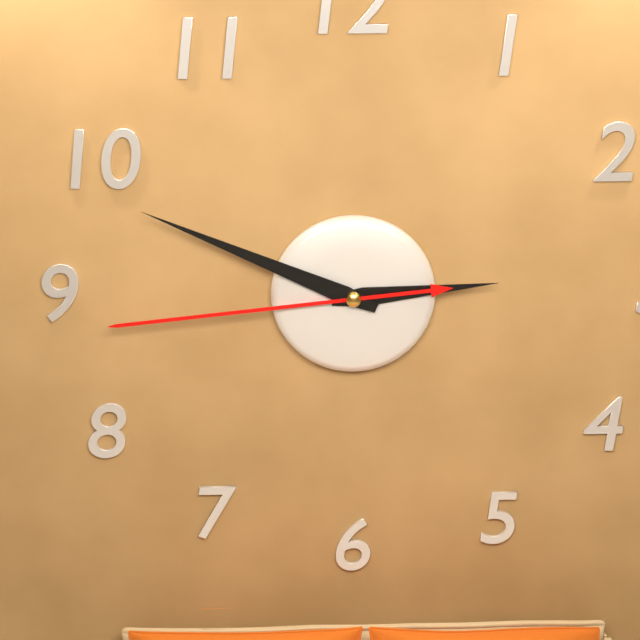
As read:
**2:49:44**
